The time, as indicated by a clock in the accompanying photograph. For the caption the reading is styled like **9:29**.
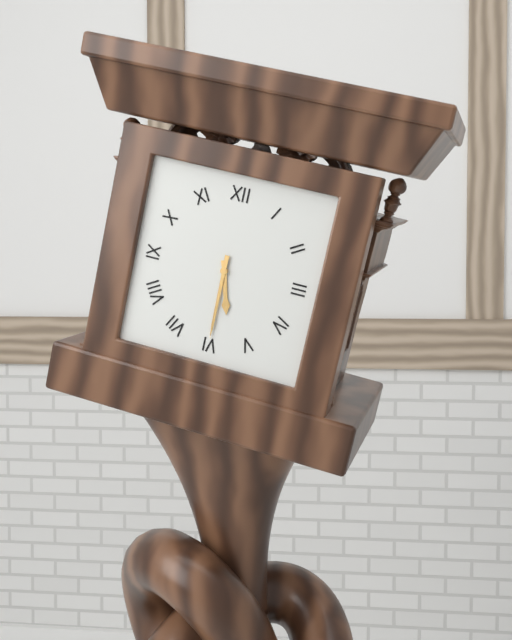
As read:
**5:30**
